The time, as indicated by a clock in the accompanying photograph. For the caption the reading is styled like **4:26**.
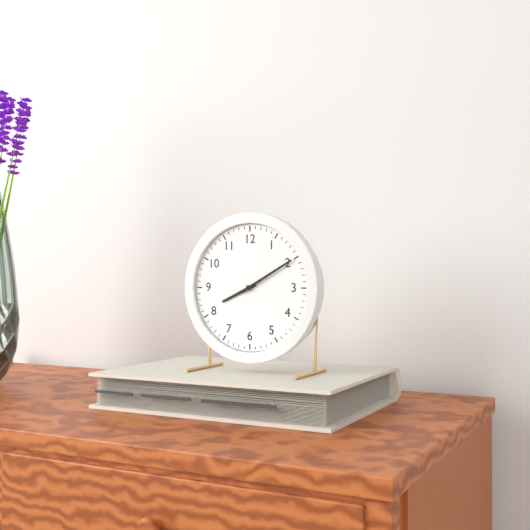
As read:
**8:10**
